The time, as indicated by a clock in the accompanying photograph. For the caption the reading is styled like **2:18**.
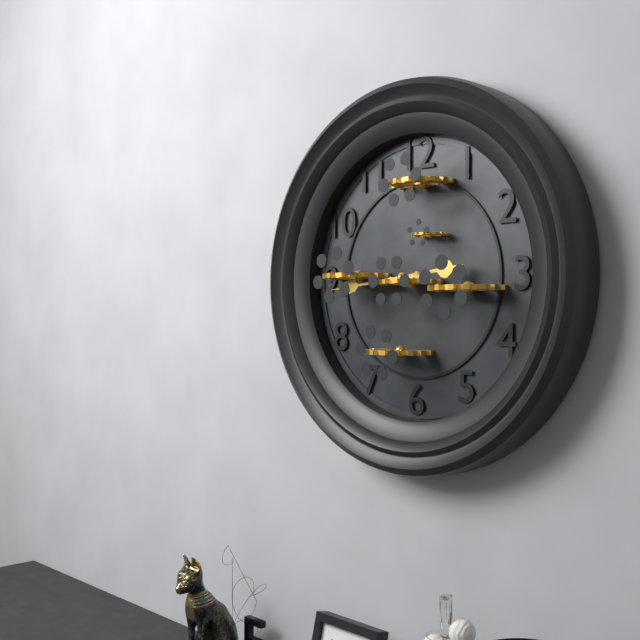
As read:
**2:44**
